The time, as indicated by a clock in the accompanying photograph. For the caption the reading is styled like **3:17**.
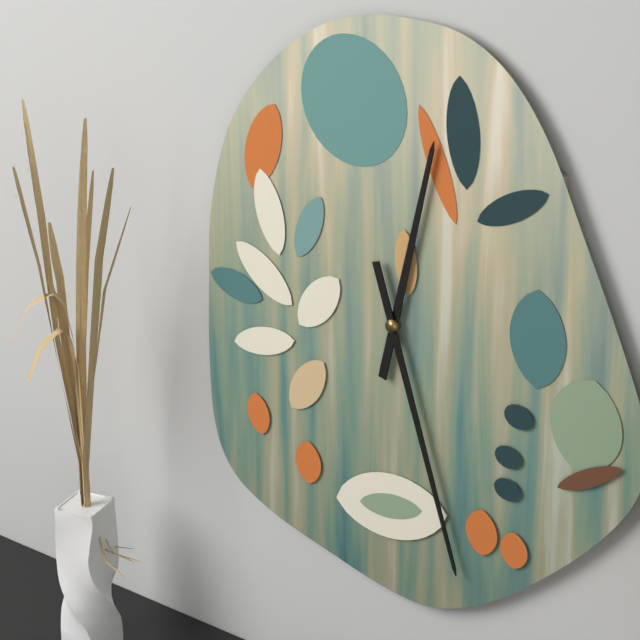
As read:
**12:27**
